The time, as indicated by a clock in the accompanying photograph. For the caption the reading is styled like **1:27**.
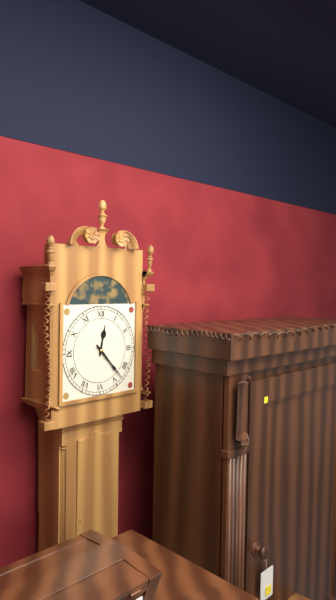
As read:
**12:23**
